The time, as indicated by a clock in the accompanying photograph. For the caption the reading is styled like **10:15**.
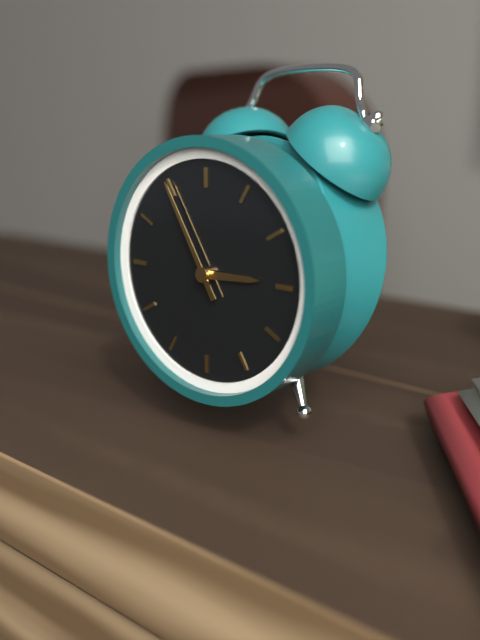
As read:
**2:55**
